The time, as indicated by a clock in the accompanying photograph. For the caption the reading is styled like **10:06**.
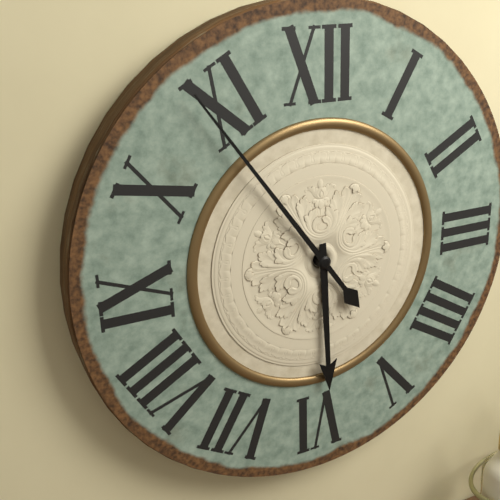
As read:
**5:54**
